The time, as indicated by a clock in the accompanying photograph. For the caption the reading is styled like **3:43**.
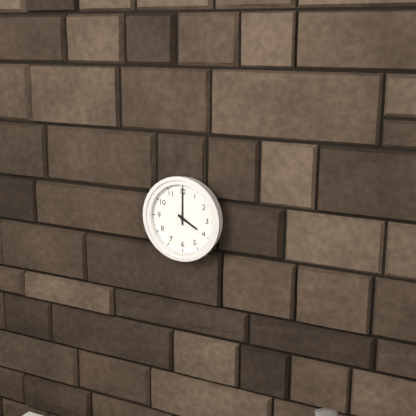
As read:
**4:00**
